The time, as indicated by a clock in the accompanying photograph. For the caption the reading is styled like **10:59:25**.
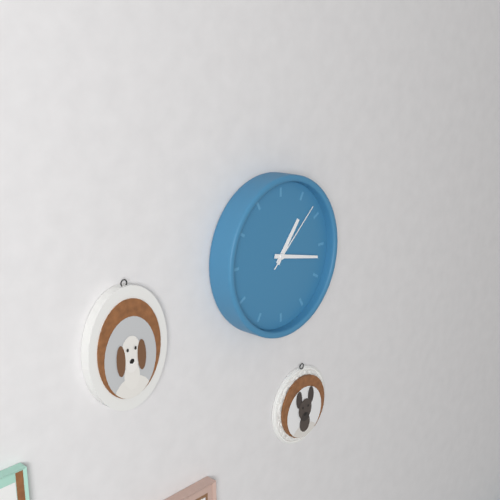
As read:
**1:17:08**
